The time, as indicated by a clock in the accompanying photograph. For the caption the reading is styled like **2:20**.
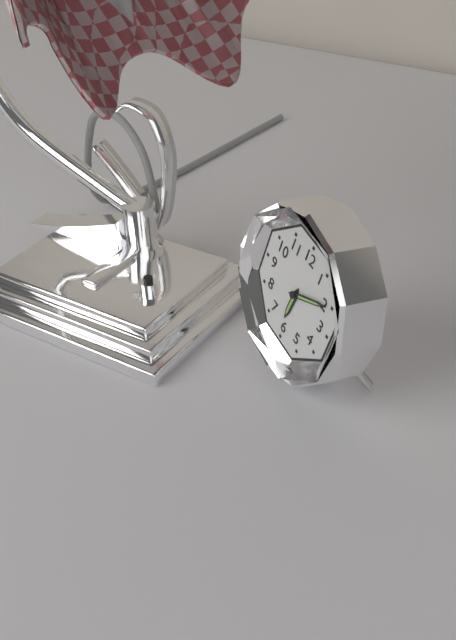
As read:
**6:10**
